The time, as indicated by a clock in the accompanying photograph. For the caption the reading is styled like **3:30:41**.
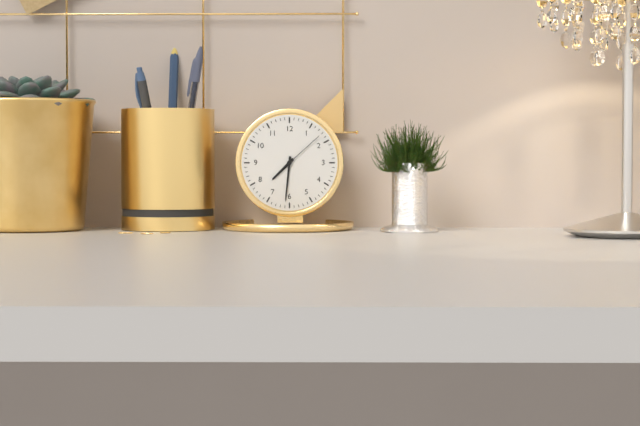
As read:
**7:31:08**
